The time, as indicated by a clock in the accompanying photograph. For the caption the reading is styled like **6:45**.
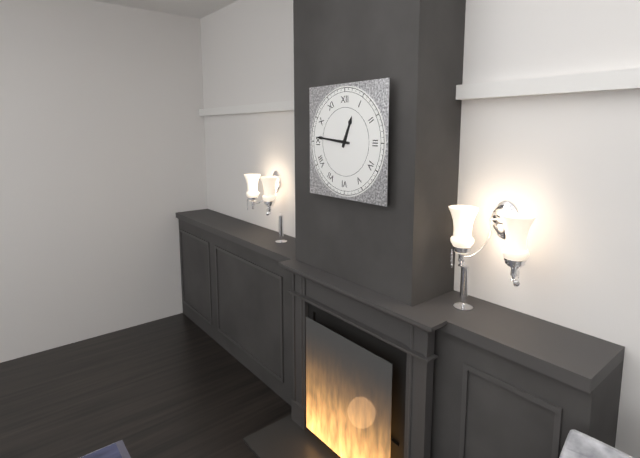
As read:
**12:46**
